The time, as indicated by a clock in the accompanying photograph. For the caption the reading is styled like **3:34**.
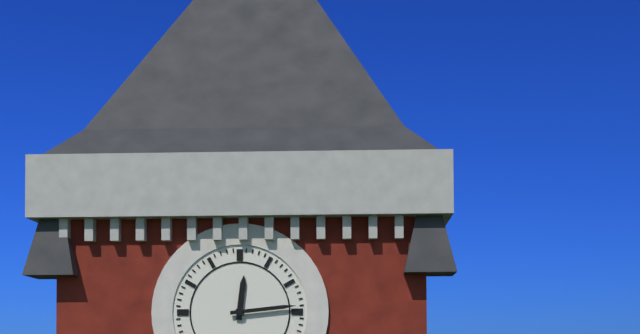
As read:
**12:14**
